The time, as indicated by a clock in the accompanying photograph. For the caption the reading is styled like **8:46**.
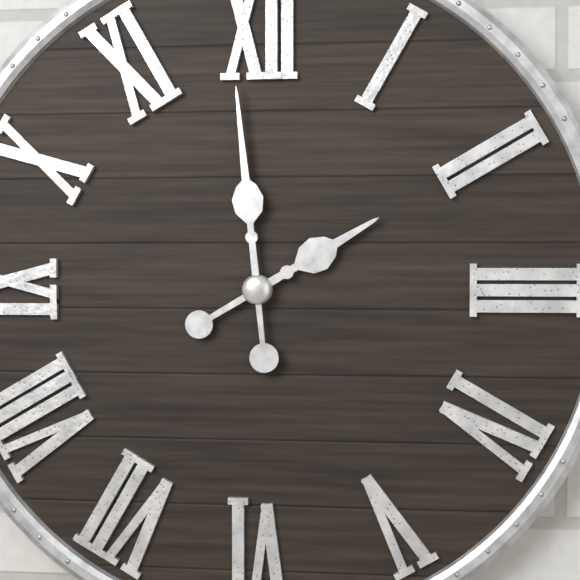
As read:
**1:59**
